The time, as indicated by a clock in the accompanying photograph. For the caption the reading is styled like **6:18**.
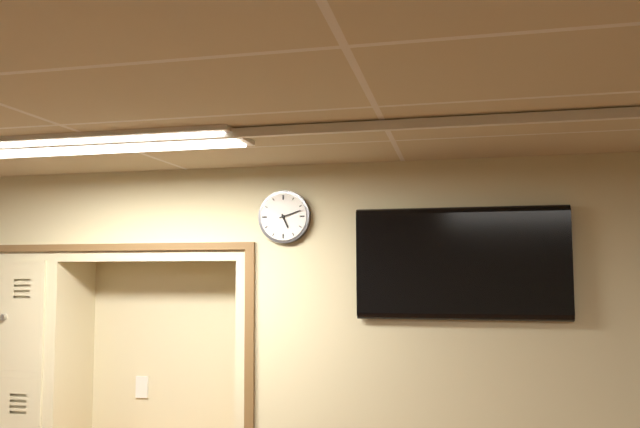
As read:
**5:12**
